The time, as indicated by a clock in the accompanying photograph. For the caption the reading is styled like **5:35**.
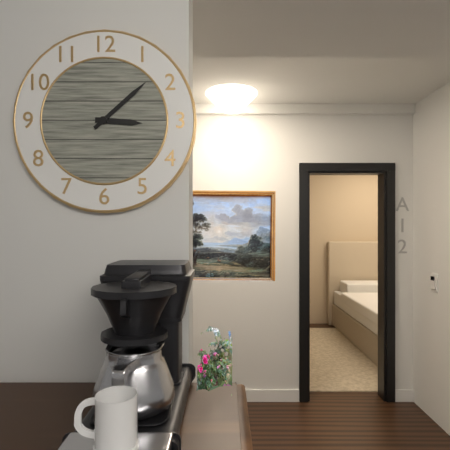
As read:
**3:08**
